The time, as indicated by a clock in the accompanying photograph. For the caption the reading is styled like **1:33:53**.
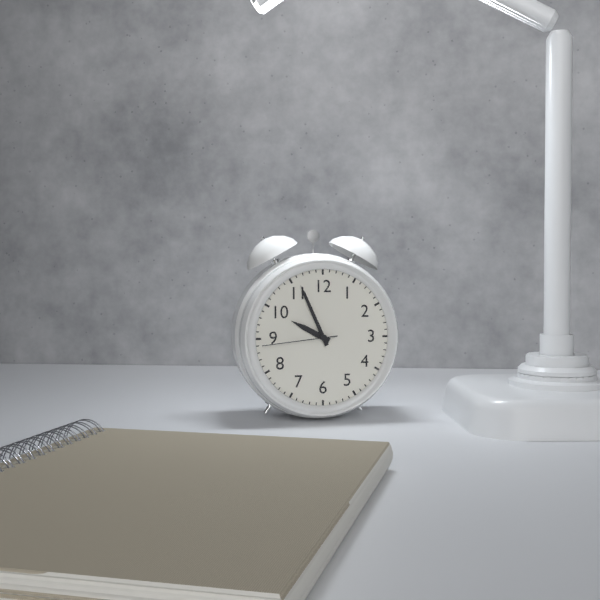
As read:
**9:56:44**
